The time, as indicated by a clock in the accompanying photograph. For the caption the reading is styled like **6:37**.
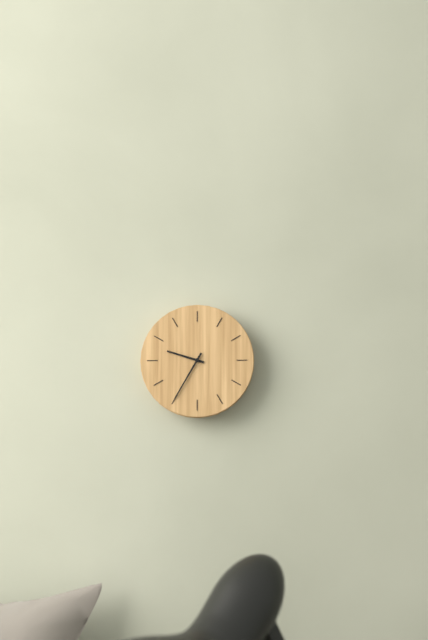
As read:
**9:35**
